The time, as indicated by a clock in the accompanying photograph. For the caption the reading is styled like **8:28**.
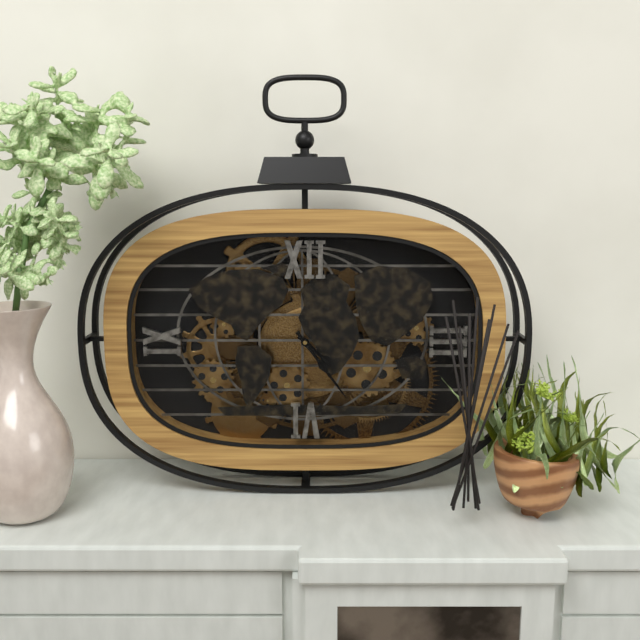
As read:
**4:24**
